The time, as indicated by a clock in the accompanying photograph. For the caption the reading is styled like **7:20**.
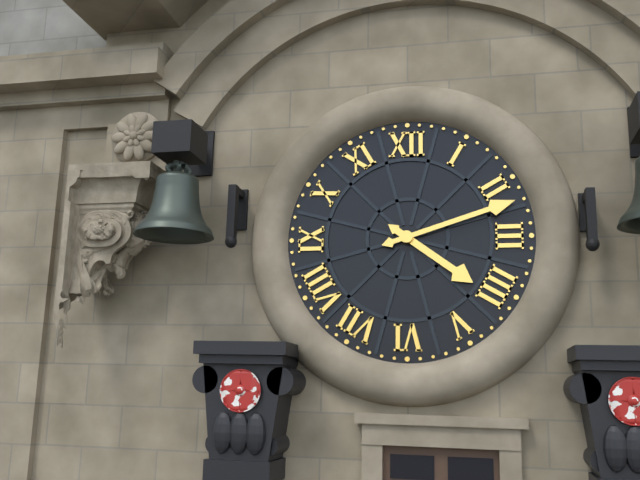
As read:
**4:12**
